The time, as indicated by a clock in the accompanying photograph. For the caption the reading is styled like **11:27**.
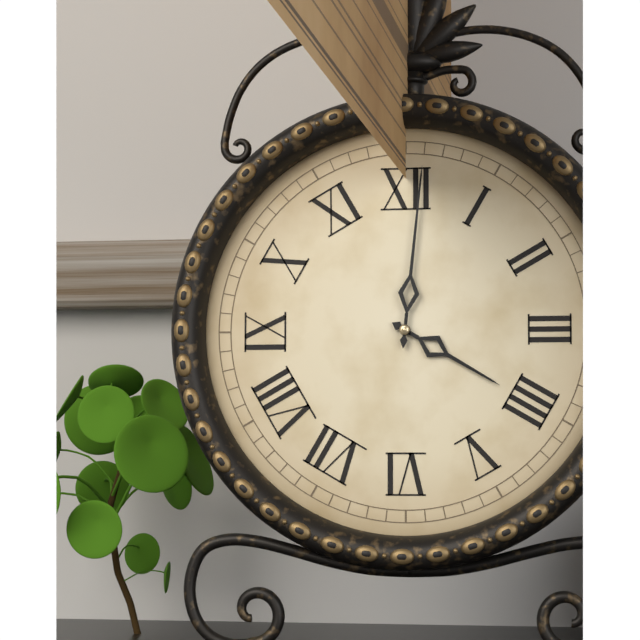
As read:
**4:01**
